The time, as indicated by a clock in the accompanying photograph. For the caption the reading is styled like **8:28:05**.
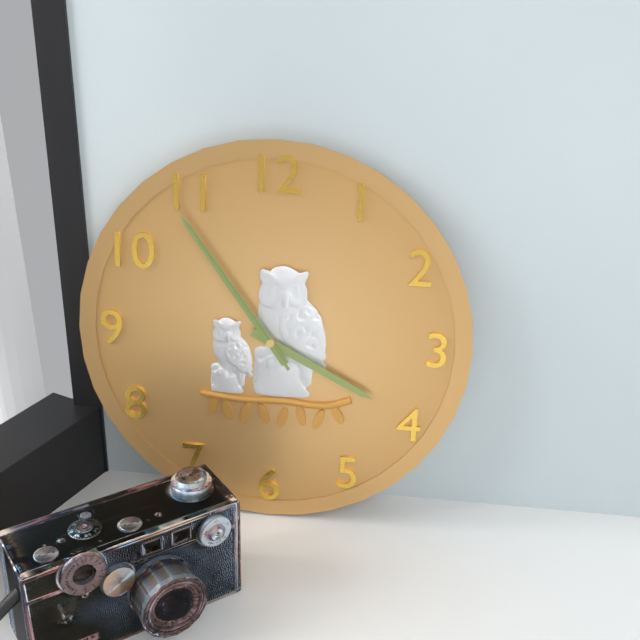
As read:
**3:54:54**
